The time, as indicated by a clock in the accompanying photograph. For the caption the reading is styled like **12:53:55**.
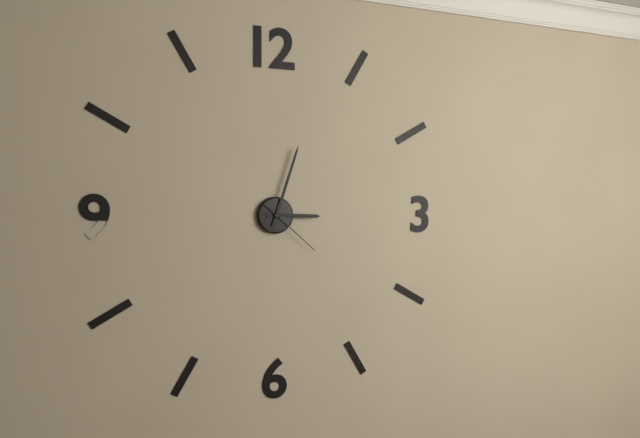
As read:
**3:03:22**
